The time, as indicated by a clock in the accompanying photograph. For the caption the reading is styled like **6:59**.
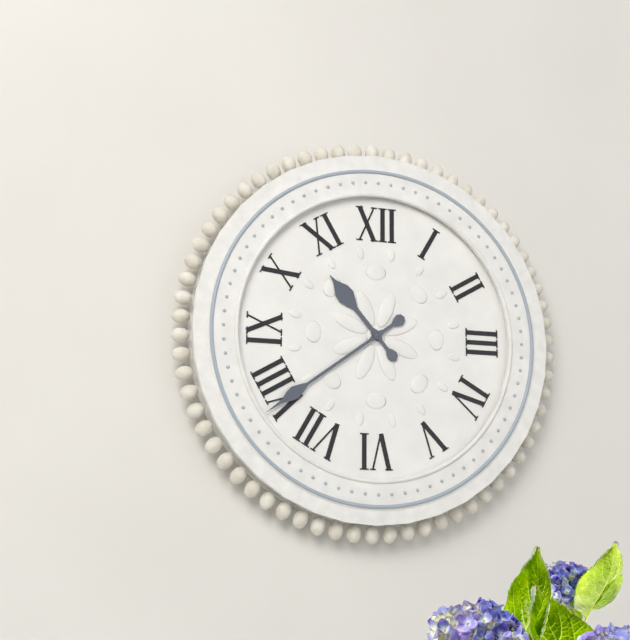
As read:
**10:39**
